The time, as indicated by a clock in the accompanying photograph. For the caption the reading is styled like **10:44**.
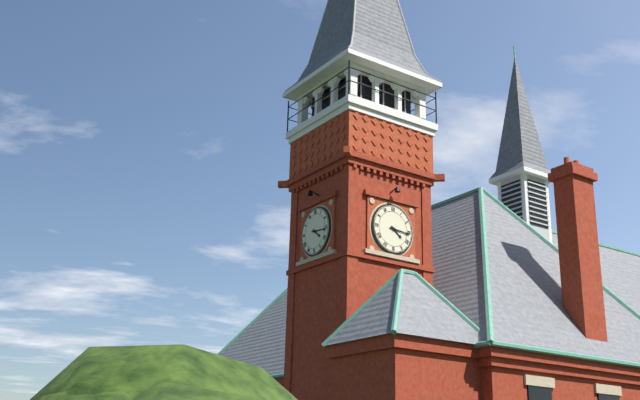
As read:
**4:16**
